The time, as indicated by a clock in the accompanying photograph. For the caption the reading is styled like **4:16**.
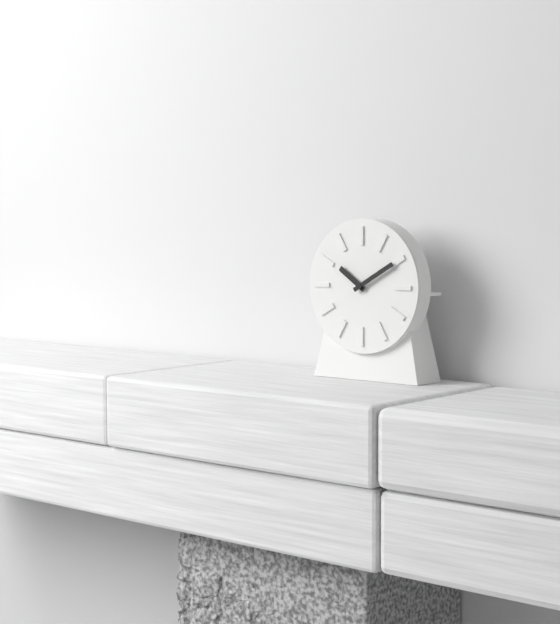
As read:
**10:10**
